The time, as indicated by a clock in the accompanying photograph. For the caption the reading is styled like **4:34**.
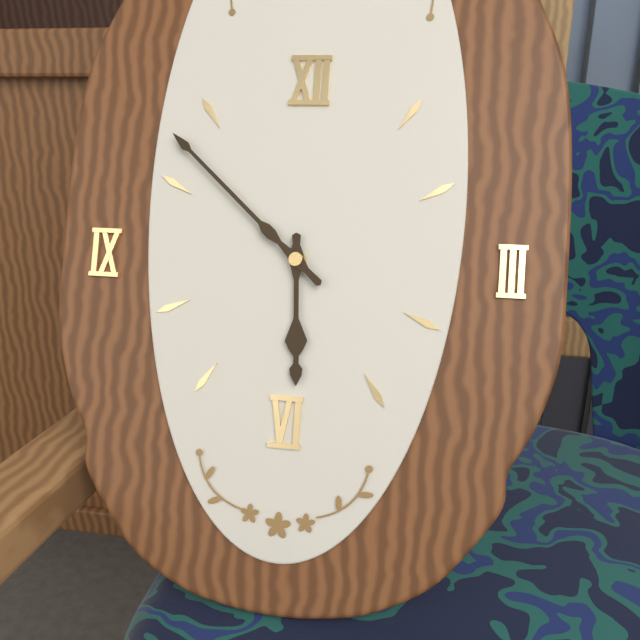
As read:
**5:52**
